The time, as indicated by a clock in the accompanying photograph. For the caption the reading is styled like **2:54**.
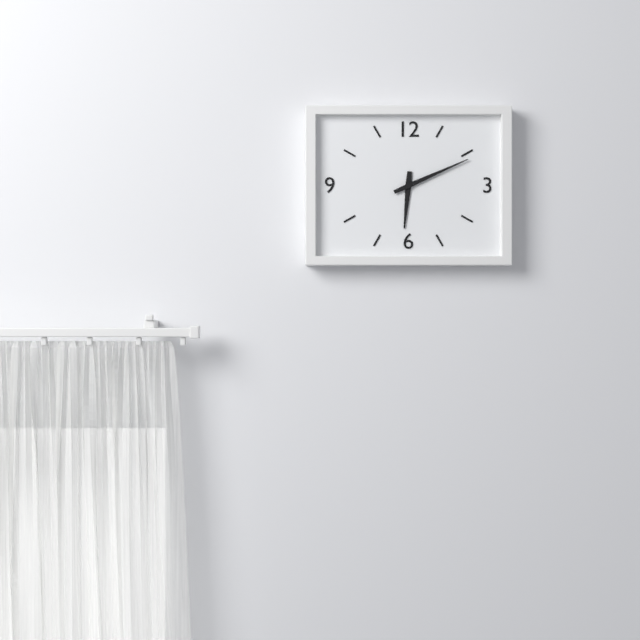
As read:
**6:11**
